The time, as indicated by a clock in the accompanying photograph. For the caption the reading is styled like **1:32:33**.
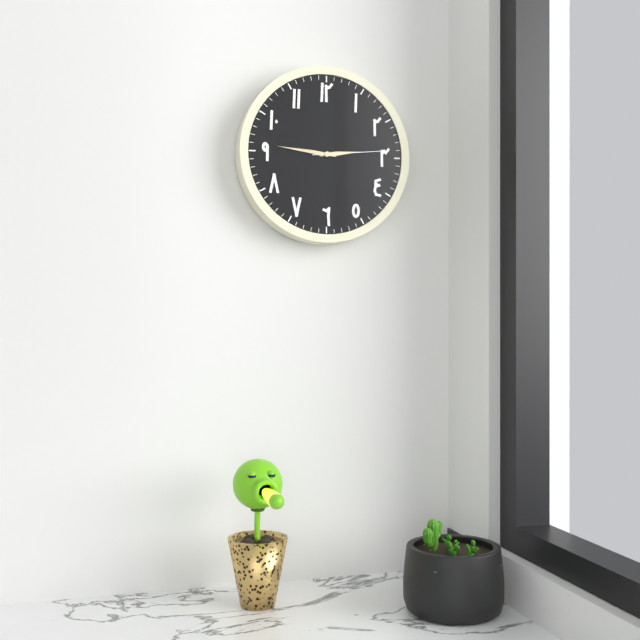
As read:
**2:46:14**
